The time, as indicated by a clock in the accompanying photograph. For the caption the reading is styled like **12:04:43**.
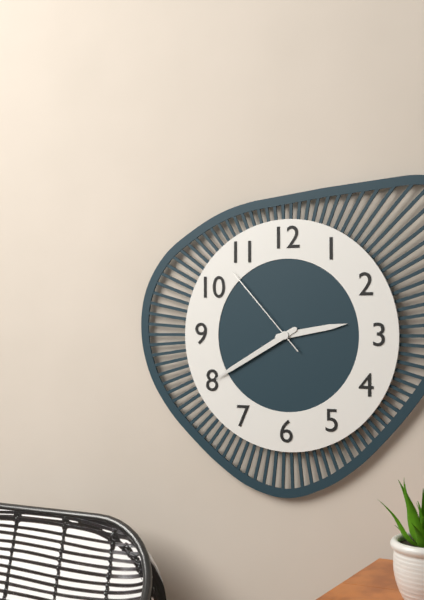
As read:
**2:40:53**
